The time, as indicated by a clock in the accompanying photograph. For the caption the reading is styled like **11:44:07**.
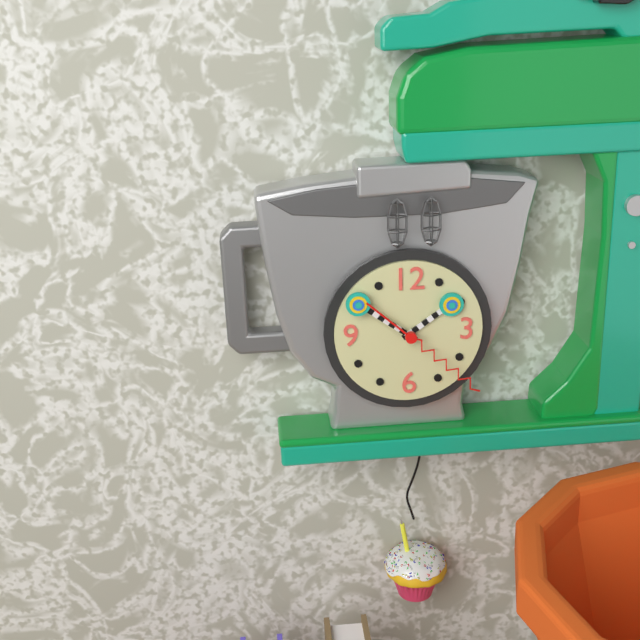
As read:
**1:51:22**
